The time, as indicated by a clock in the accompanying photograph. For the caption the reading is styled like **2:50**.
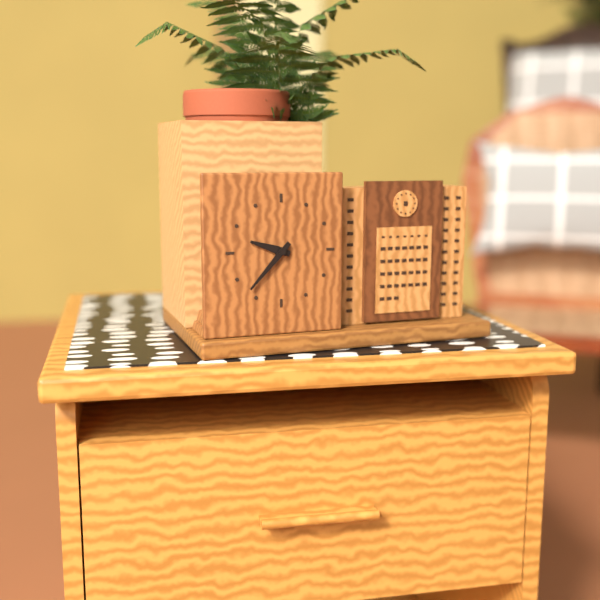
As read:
**9:37**
